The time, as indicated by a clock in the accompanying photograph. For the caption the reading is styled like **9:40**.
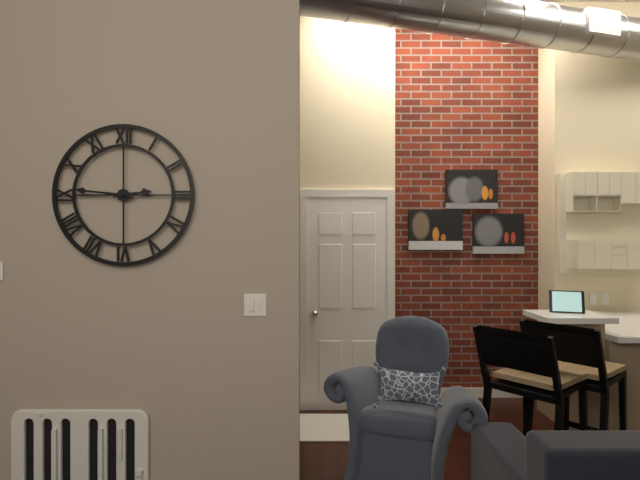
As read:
**2:46**
